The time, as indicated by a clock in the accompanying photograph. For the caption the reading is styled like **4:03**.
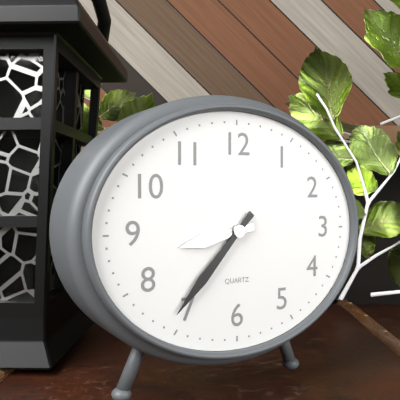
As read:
**8:37**
